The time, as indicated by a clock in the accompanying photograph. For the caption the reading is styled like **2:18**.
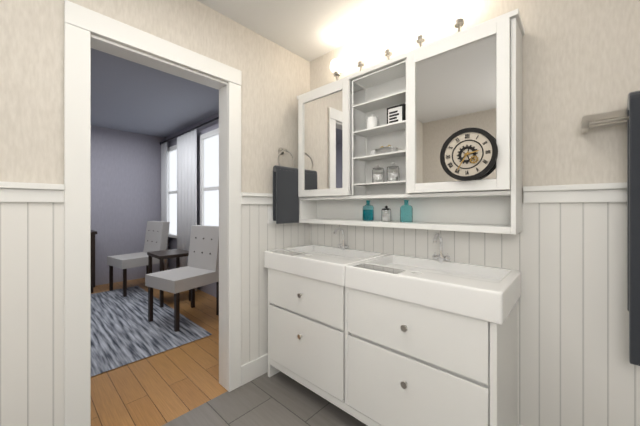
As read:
**2:35**
